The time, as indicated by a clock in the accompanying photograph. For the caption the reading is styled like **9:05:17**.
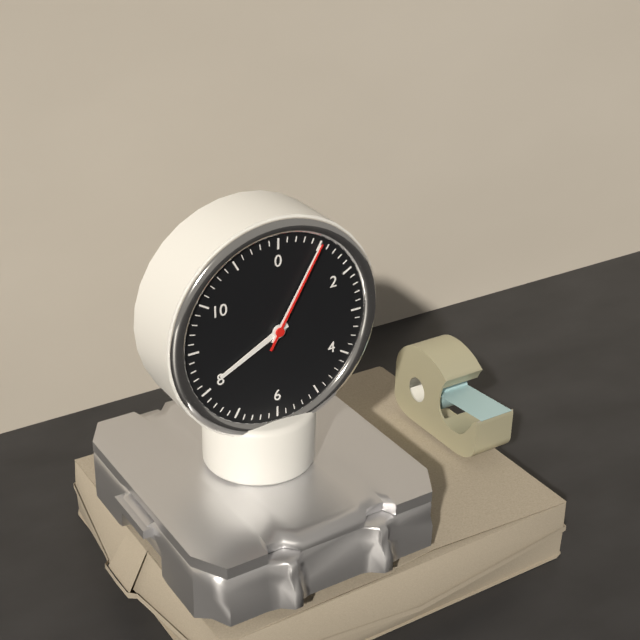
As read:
**8:05:05**
